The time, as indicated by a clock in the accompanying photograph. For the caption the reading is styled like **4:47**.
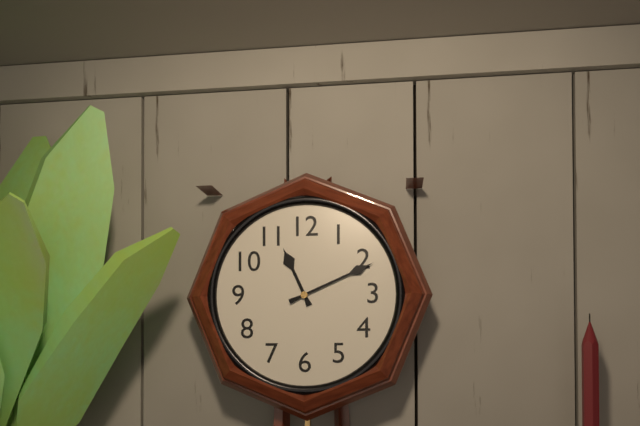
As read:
**11:11**
